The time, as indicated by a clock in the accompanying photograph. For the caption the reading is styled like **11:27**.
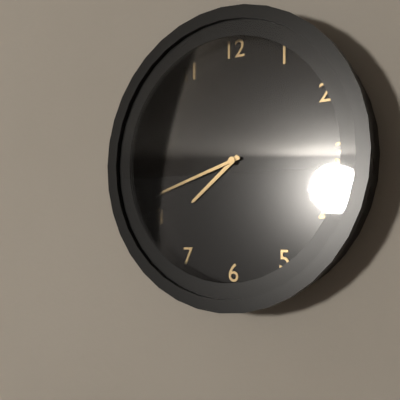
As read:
**7:42**
